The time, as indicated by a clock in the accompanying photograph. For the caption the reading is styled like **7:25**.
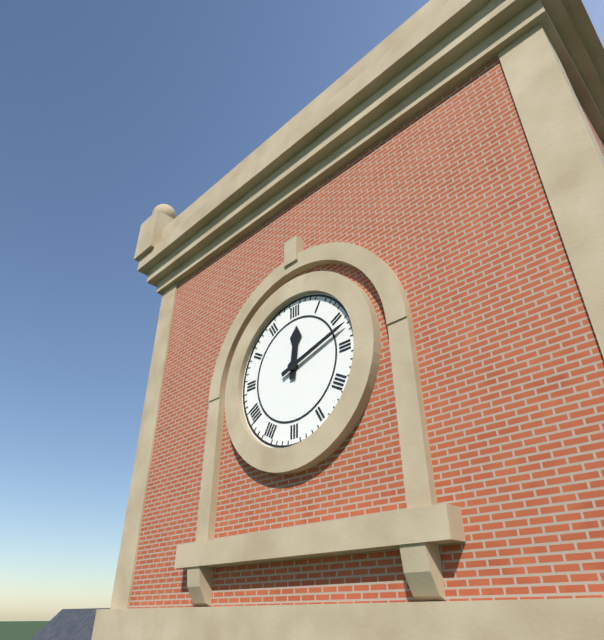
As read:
**12:12**
